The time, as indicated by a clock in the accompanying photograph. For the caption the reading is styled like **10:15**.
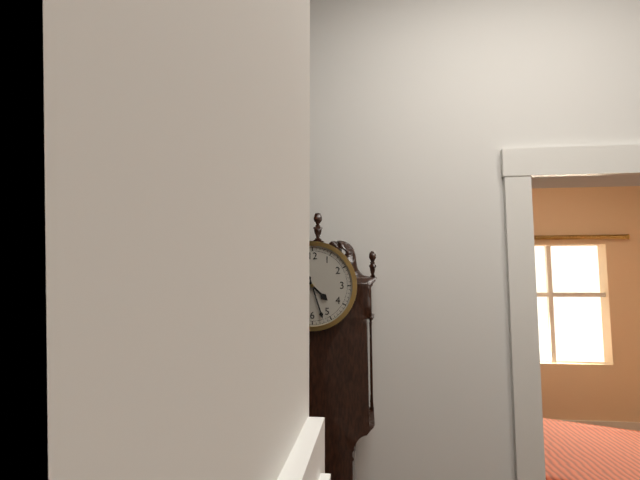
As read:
**4:27**
